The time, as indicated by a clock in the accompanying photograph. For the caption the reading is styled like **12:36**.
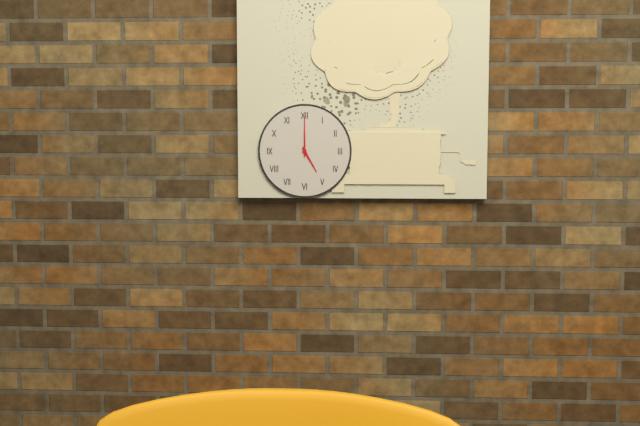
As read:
**5:00**
